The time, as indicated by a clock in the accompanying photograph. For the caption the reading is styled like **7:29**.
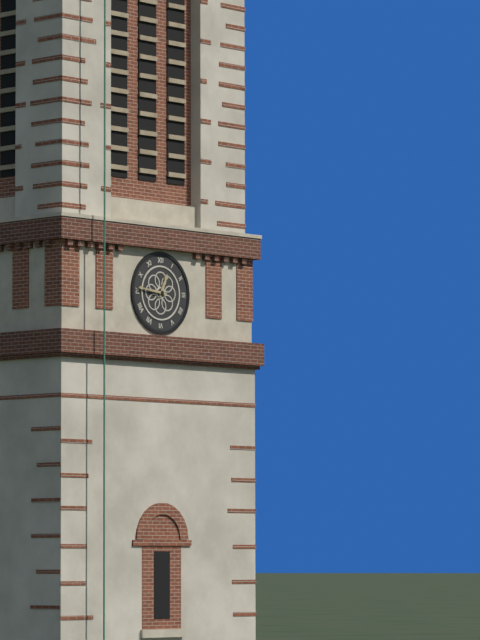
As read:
**12:46**
